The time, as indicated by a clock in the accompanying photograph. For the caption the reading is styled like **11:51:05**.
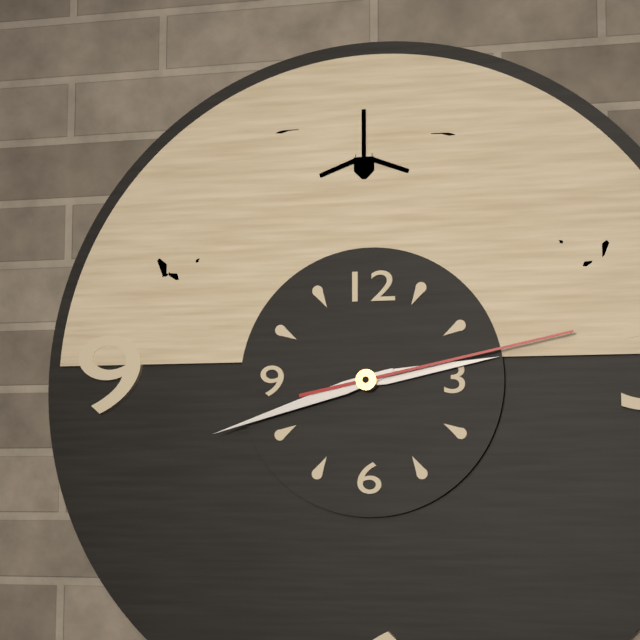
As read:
**2:42:13**
